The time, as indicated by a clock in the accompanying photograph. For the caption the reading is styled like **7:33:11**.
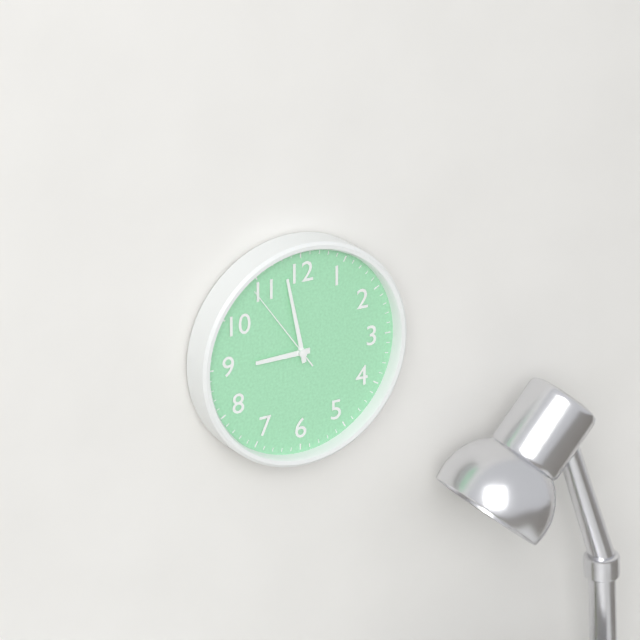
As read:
**8:58:54**
